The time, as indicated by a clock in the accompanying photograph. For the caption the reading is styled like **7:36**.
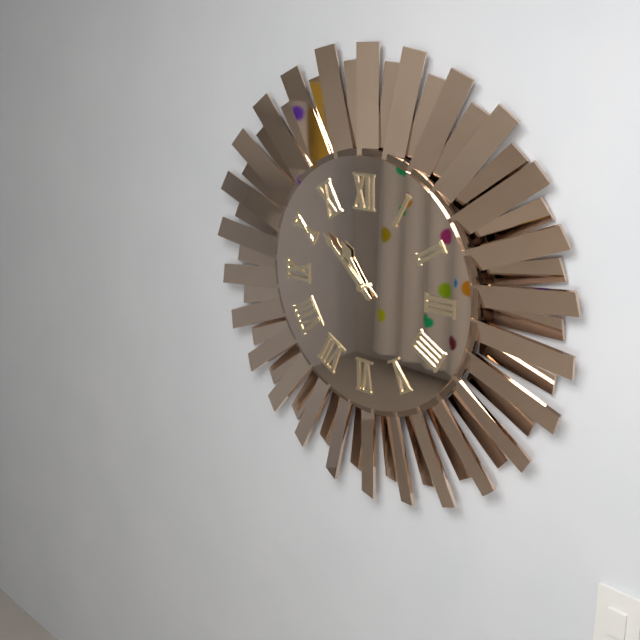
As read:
**10:52**
